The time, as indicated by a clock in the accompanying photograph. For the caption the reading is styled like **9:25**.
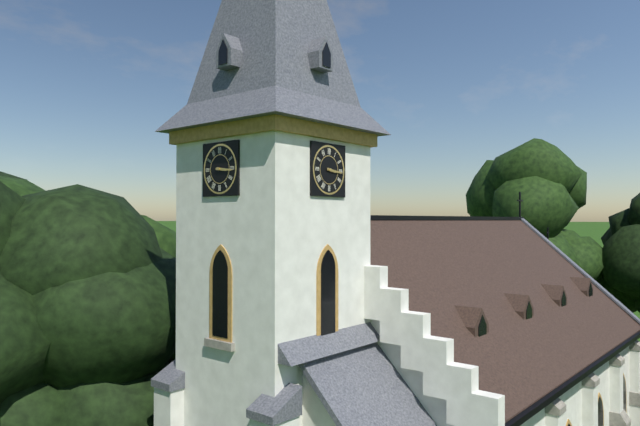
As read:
**3:16**
